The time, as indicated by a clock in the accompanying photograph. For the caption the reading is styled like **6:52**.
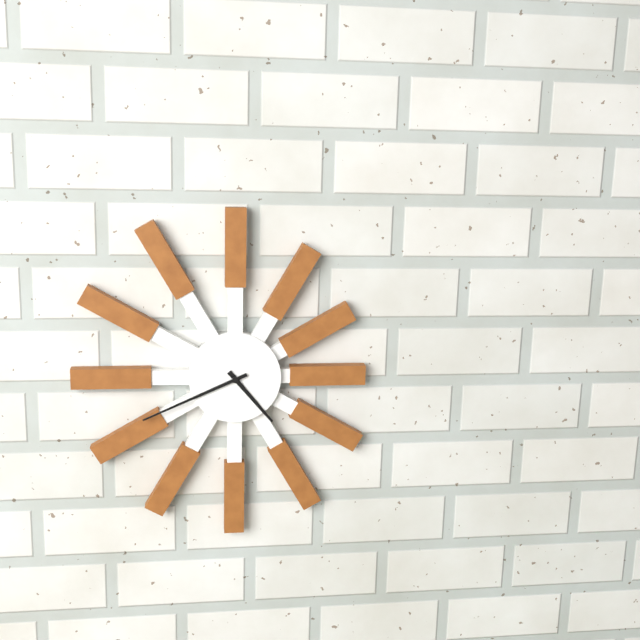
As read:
**4:41**
